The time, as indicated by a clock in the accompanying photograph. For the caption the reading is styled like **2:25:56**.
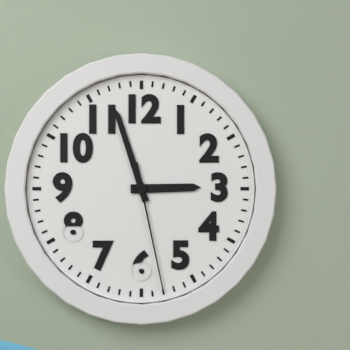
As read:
**2:57:28**
